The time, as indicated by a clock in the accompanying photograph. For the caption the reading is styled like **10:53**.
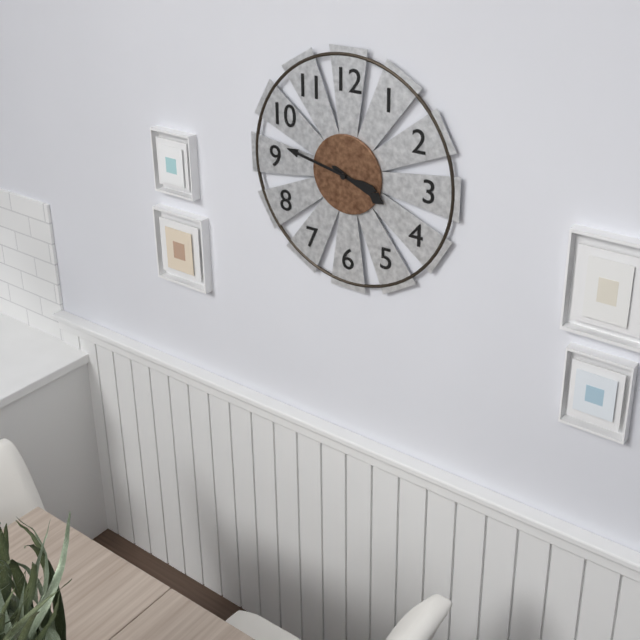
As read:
**3:47**
